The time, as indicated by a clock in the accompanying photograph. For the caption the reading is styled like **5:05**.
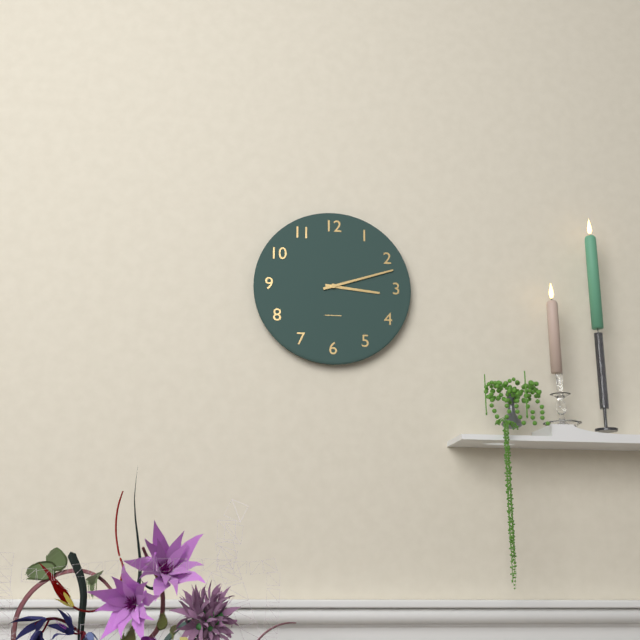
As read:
**3:12**
